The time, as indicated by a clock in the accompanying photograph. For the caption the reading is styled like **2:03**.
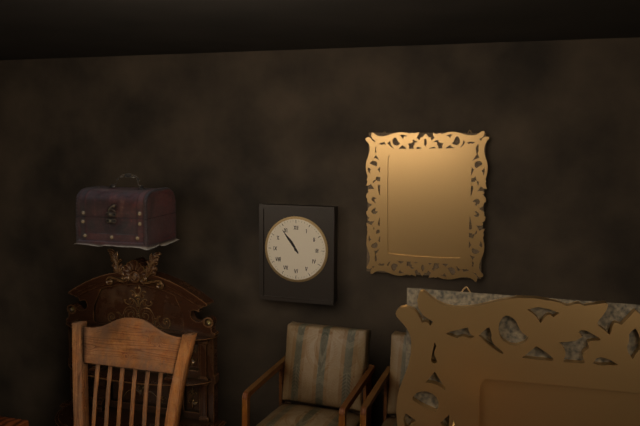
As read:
**10:54**
